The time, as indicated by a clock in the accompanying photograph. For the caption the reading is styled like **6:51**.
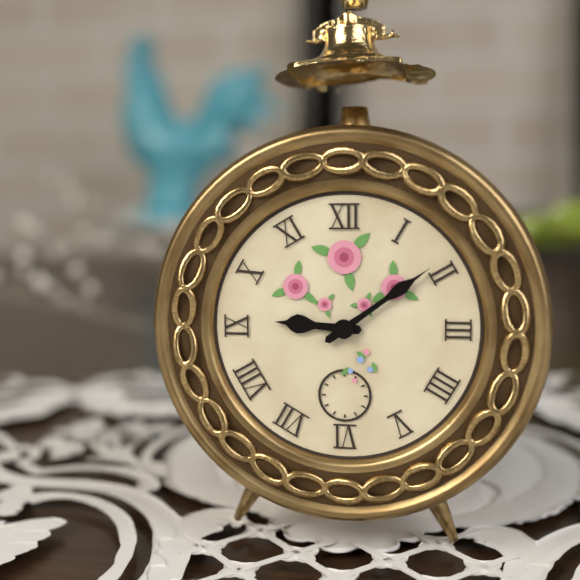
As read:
**9:09**
